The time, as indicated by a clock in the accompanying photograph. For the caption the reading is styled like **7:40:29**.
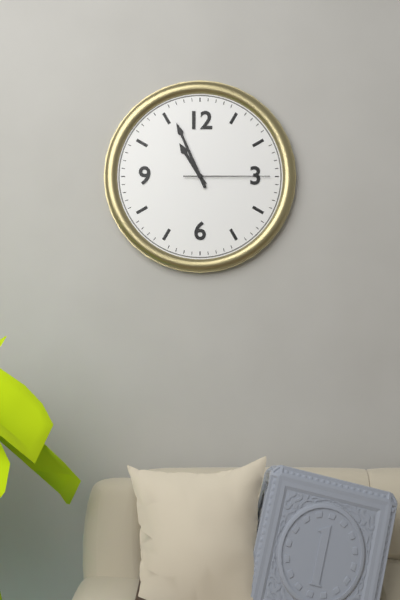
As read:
**10:56:15**
